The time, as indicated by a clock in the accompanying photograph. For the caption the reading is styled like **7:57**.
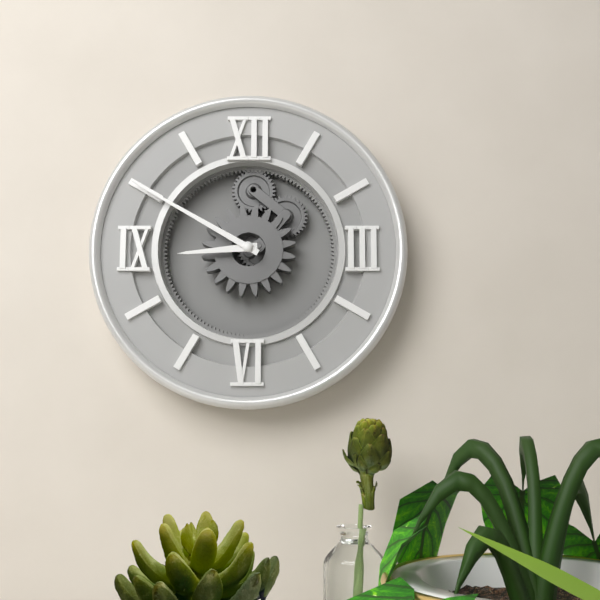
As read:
**8:50**
